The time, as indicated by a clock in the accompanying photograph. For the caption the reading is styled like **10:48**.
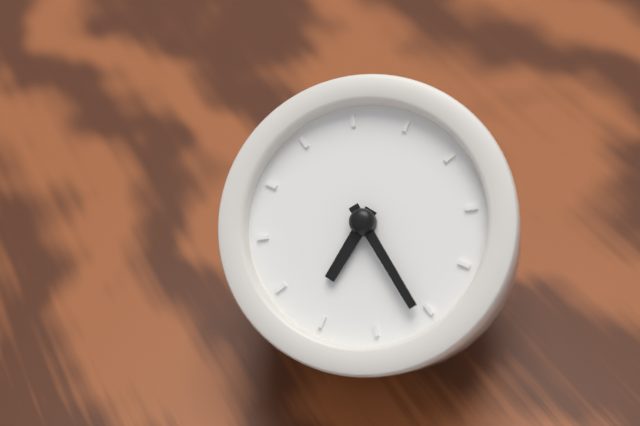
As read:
**5:16**
